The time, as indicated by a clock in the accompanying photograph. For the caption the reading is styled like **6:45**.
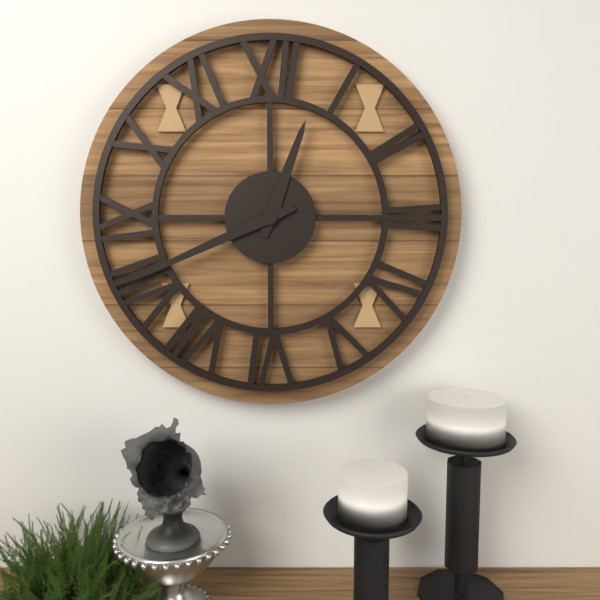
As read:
**12:41**
